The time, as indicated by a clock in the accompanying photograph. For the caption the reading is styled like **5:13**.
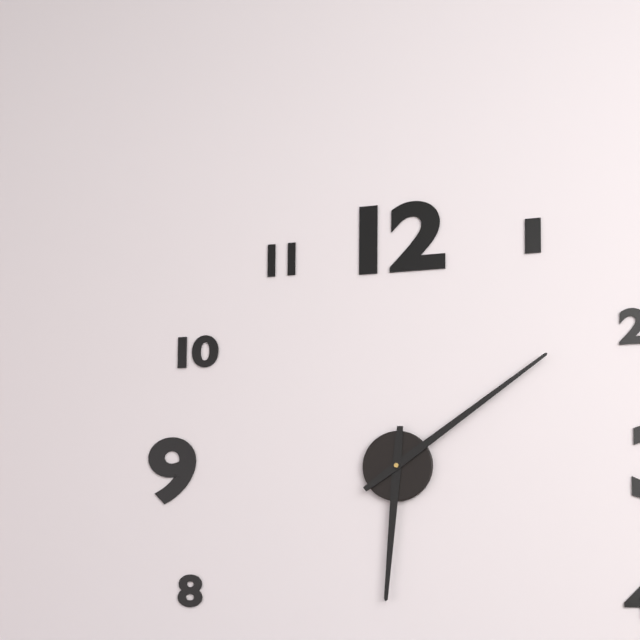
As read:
**6:09**
